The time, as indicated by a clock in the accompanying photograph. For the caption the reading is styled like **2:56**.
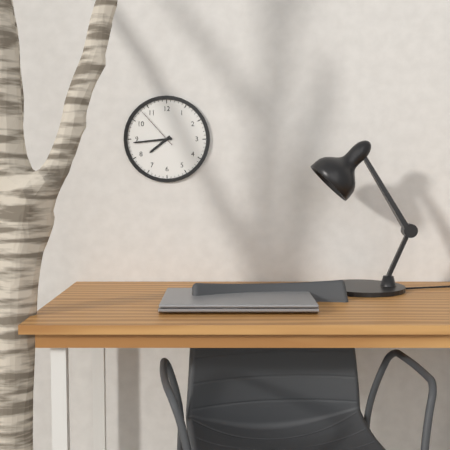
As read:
**7:44**
